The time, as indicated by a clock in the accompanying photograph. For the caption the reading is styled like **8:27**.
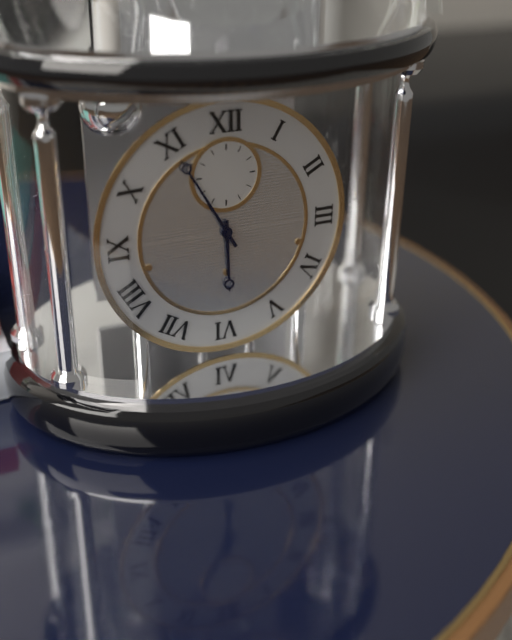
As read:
**5:55**
